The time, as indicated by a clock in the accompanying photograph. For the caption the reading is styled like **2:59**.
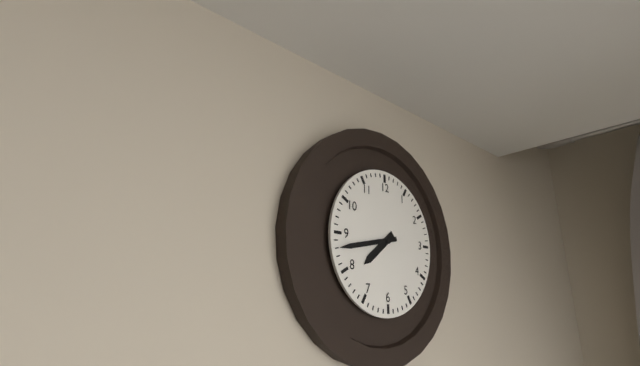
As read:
**7:43**
